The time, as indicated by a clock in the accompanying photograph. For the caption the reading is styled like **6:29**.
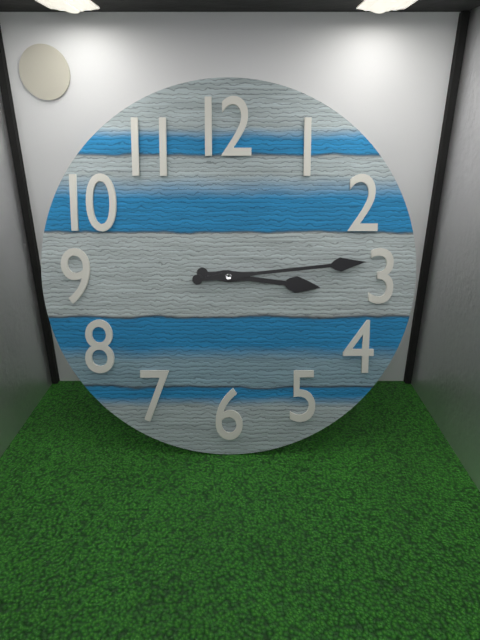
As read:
**3:14**
